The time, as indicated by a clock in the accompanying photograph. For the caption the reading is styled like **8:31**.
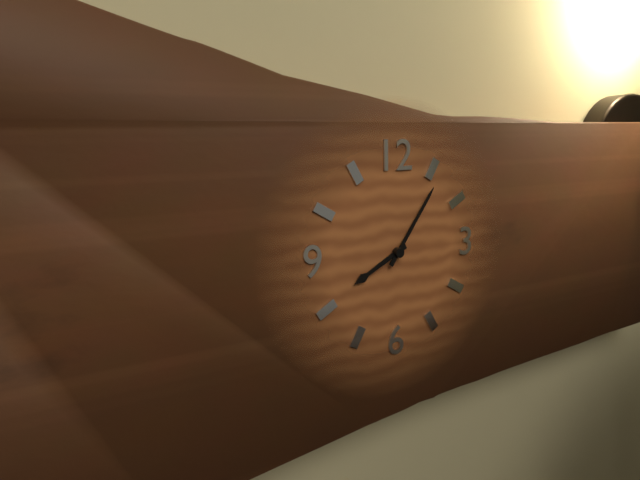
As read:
**8:06**
